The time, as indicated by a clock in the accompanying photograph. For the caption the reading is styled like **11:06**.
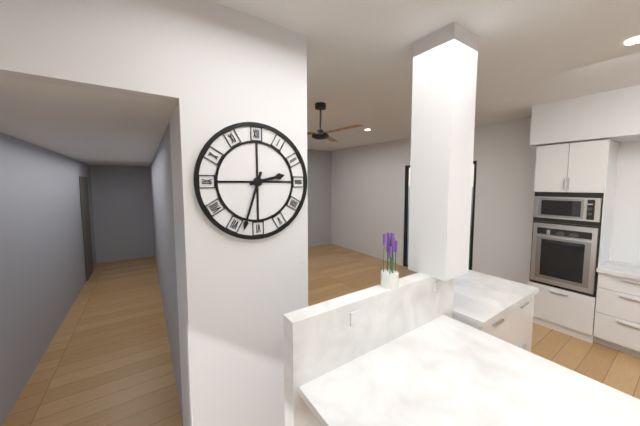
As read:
**2:33**
